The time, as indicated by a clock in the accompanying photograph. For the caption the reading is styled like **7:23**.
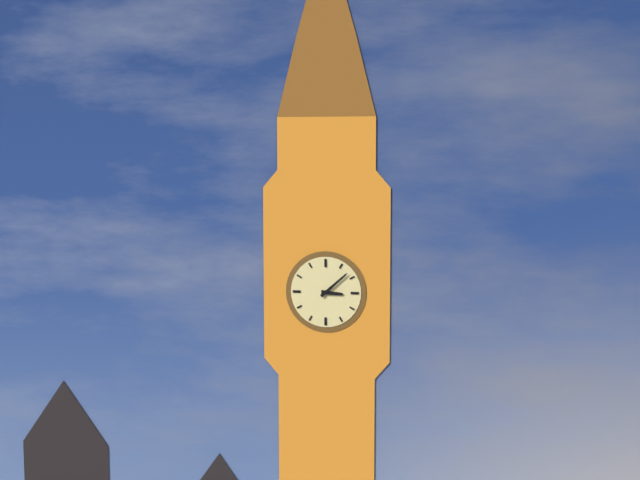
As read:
**3:08**
